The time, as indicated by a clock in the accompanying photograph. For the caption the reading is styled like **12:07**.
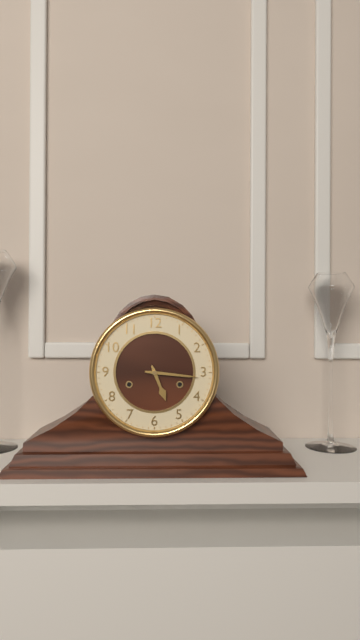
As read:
**5:16**
